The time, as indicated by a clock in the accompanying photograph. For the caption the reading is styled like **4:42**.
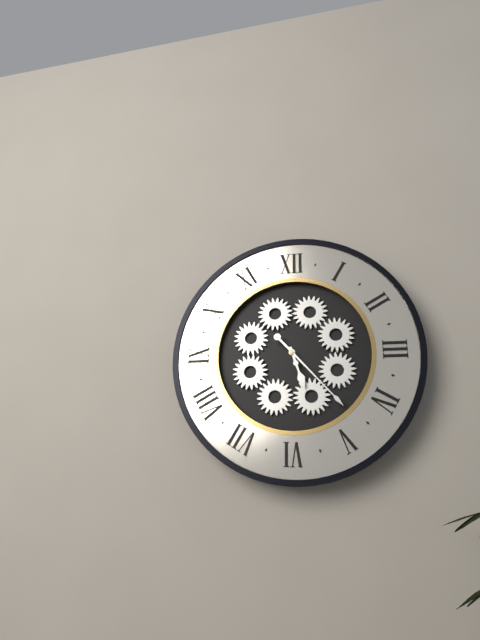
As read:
**5:23**
